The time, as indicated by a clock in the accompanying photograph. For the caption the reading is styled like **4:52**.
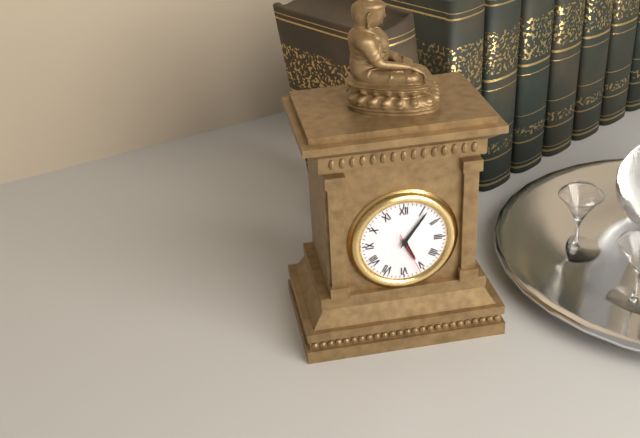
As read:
**5:06**
